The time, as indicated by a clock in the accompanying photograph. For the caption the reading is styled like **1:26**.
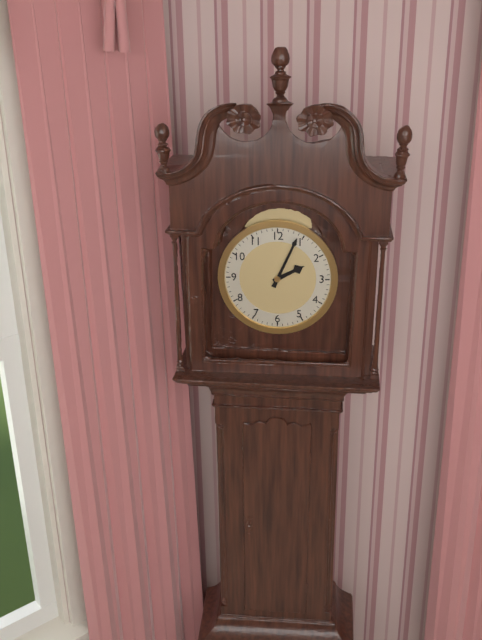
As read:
**2:04**
